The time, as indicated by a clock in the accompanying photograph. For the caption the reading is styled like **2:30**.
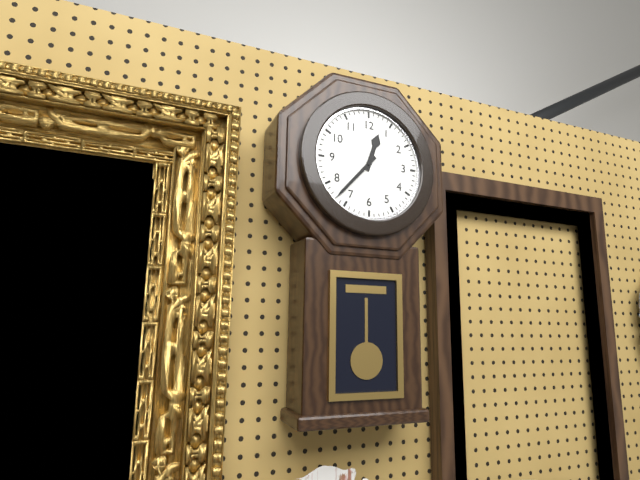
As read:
**12:37**
